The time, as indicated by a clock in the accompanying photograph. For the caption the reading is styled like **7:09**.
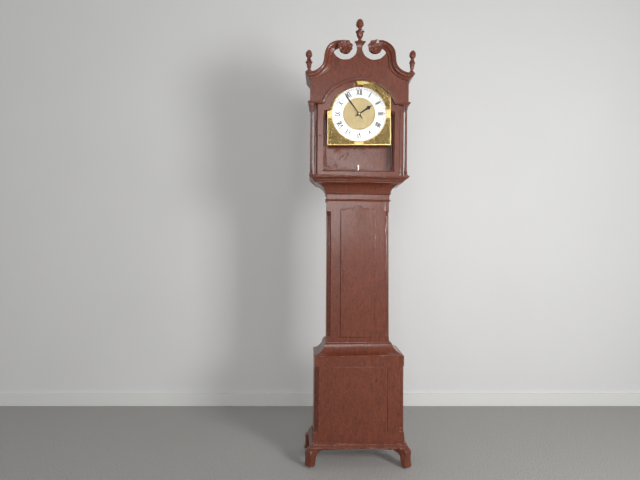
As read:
**1:54**
